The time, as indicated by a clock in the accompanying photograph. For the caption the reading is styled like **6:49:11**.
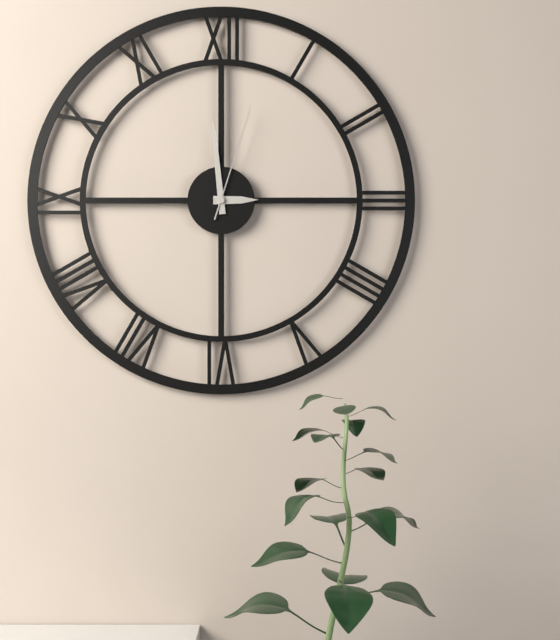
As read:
**2:59:03**
